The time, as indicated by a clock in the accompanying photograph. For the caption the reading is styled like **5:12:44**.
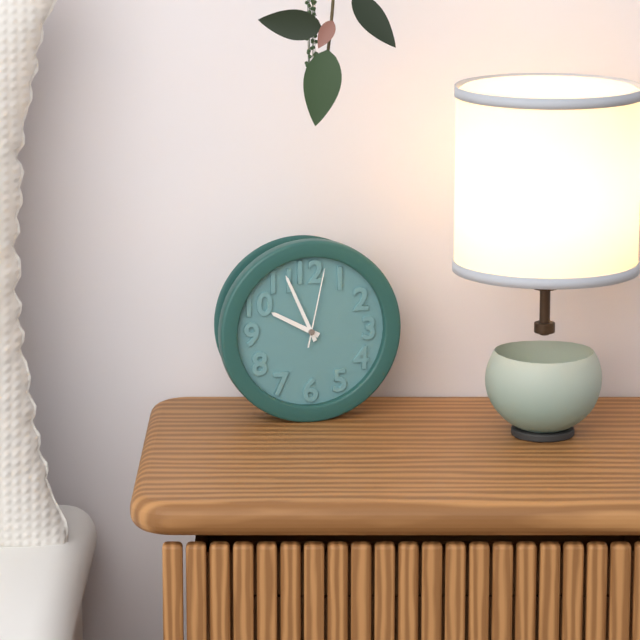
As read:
**9:56:02**
